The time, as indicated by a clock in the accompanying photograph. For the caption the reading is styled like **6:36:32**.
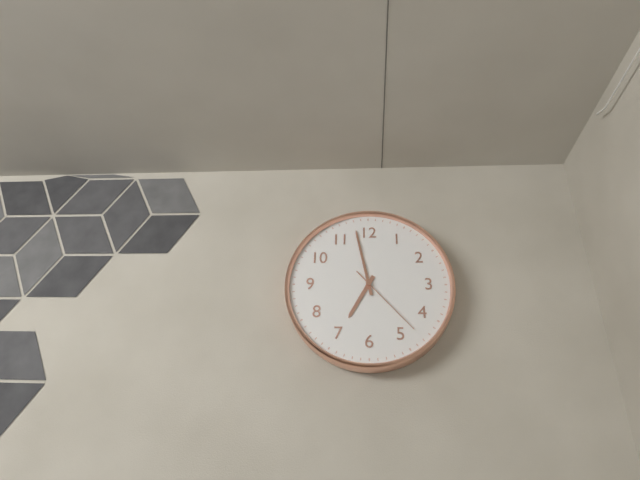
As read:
**6:58:23**
